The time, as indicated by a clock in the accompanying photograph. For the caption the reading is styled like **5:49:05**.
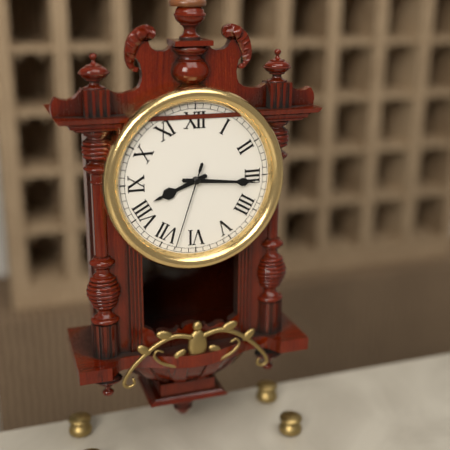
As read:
**8:16:33**
